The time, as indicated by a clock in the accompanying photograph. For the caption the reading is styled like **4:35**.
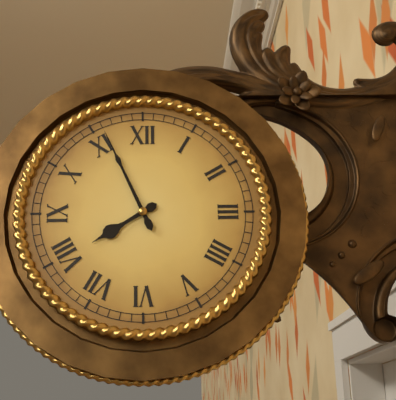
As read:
**7:56**
